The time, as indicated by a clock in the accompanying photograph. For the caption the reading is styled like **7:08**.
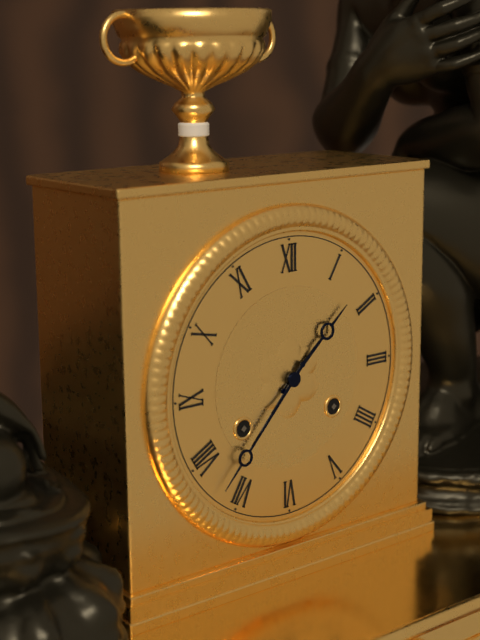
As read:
**1:37**
